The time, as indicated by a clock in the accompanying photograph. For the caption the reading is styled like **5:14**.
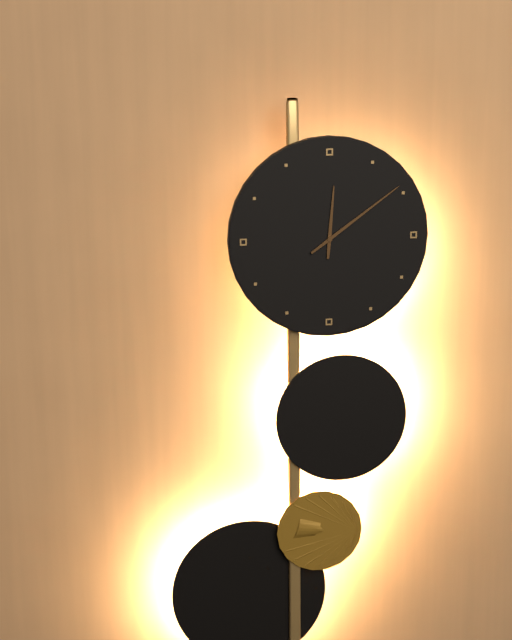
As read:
**12:09**
